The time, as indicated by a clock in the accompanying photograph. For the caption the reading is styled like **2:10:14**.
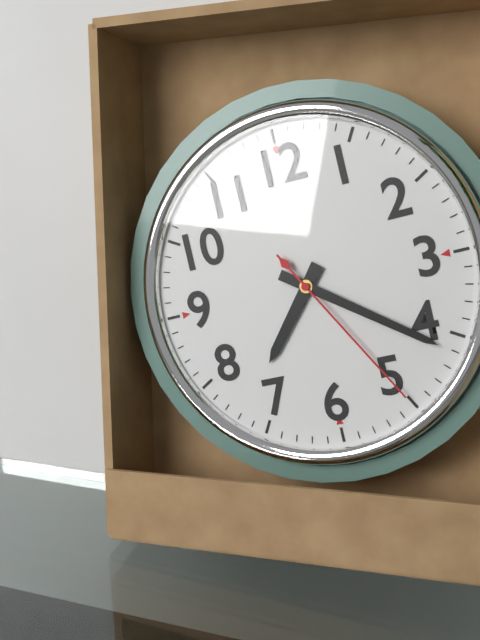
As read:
**7:21:25**
